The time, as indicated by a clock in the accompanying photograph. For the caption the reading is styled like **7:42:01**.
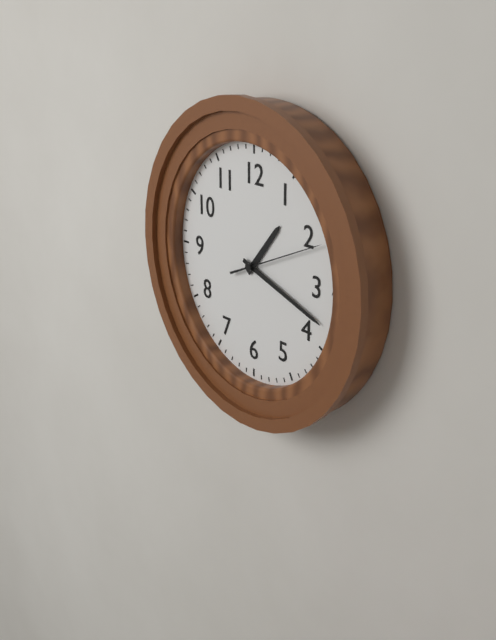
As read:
**1:18:11**
